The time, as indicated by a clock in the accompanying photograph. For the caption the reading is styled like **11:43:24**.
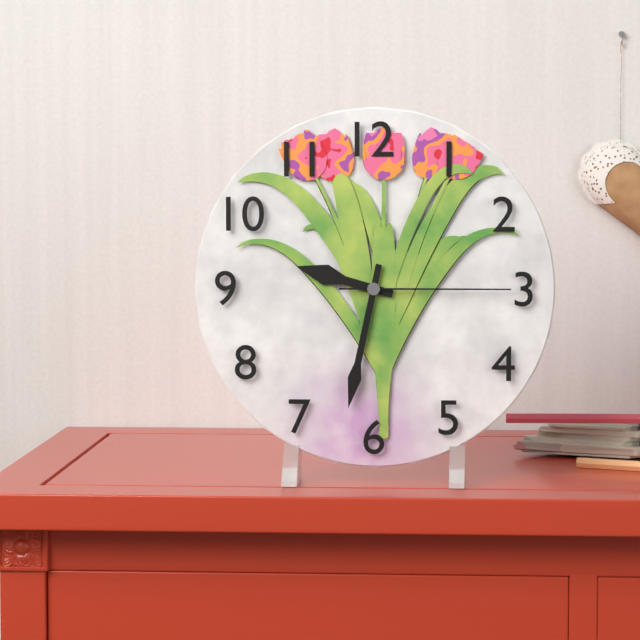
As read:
**9:32:15**
